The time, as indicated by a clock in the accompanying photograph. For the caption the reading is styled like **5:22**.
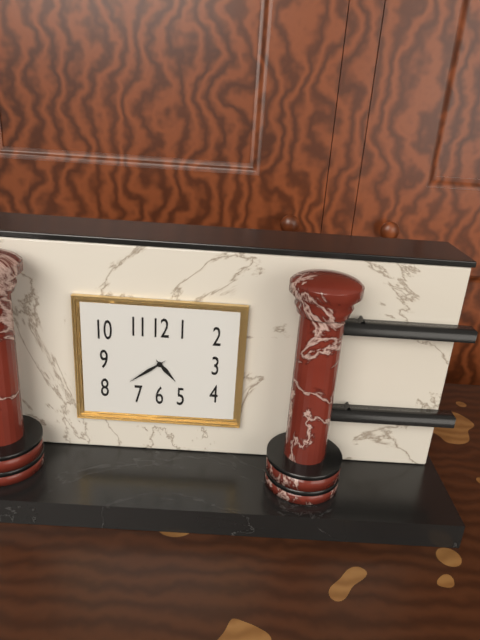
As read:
**4:39**
